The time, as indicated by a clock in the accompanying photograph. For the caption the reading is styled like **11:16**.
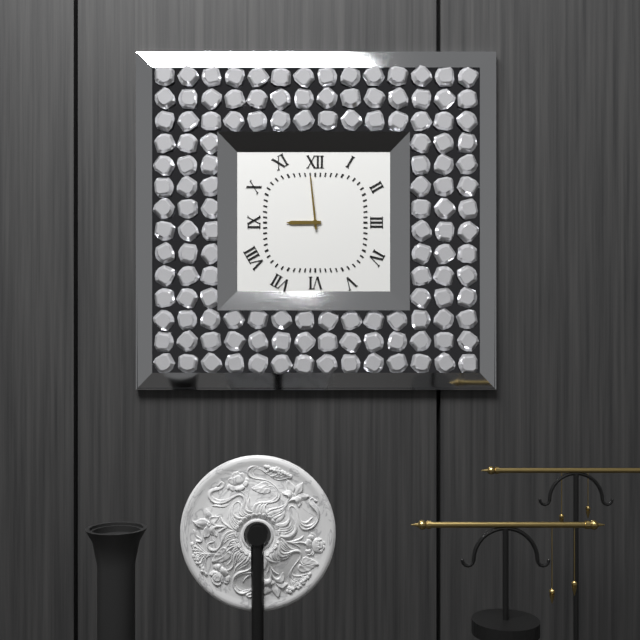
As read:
**8:59**
